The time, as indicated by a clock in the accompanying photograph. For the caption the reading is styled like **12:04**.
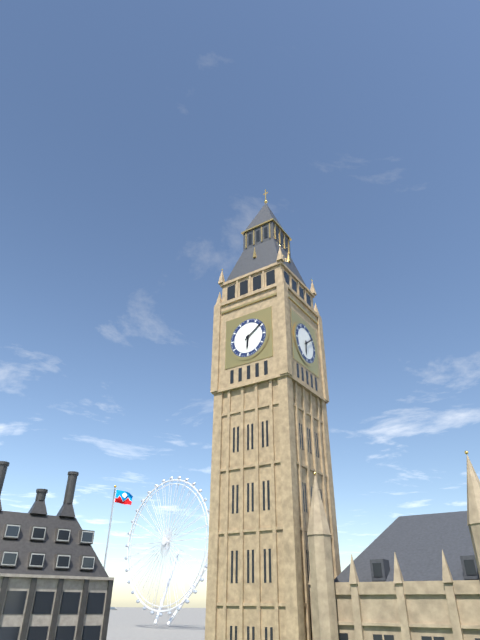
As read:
**6:09**
